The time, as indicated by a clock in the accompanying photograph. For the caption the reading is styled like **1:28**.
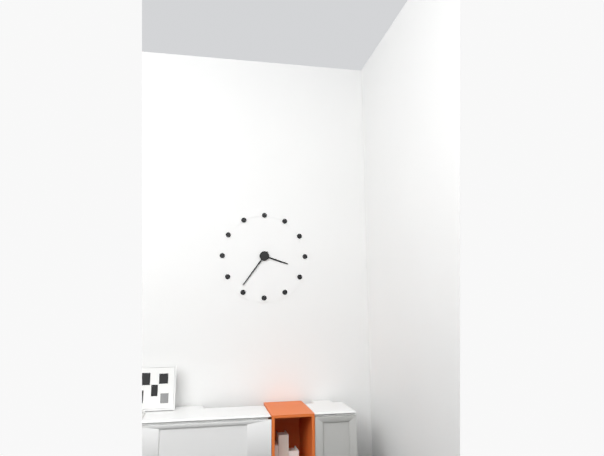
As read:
**3:36**
